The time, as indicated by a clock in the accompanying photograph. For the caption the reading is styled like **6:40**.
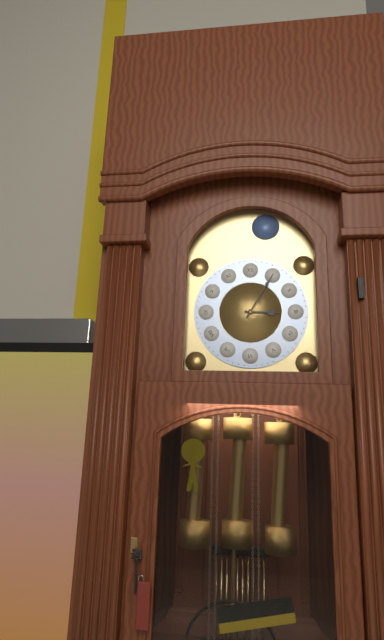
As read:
**3:05**
